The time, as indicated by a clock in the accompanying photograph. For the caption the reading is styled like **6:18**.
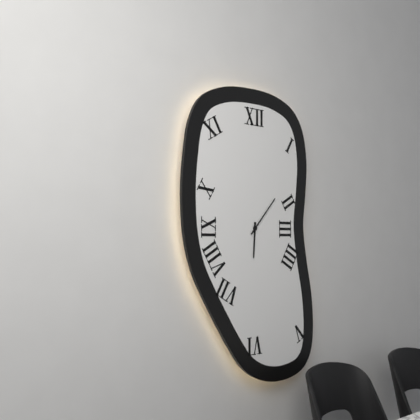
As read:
**6:07**
